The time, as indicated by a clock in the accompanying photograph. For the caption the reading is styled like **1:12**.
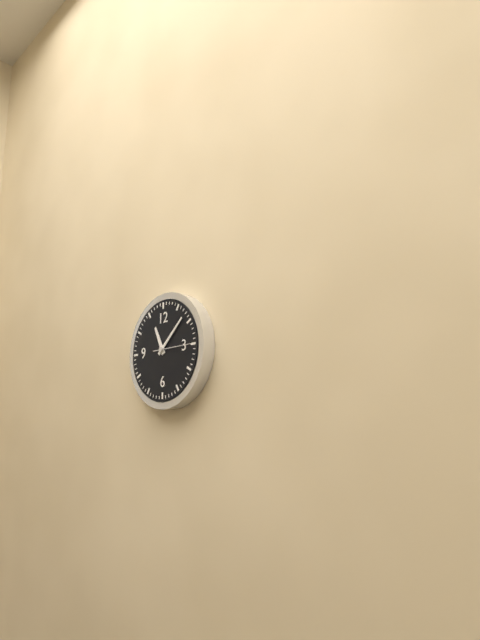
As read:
**11:08**
